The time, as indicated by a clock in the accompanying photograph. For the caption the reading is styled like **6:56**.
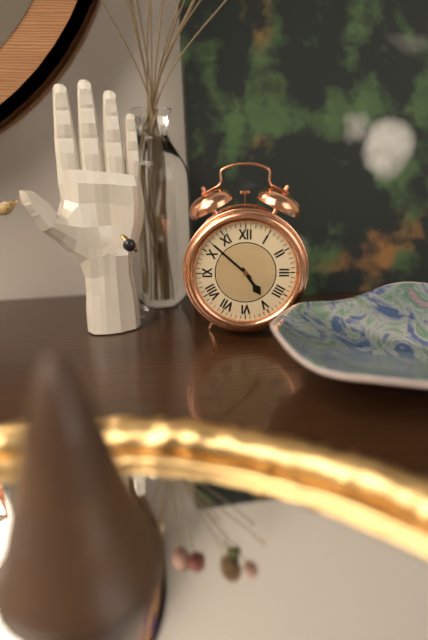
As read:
**4:52**
